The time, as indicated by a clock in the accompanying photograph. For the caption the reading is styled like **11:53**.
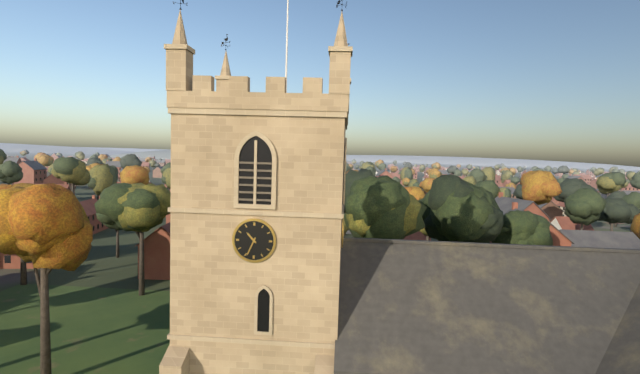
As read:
**10:34**
